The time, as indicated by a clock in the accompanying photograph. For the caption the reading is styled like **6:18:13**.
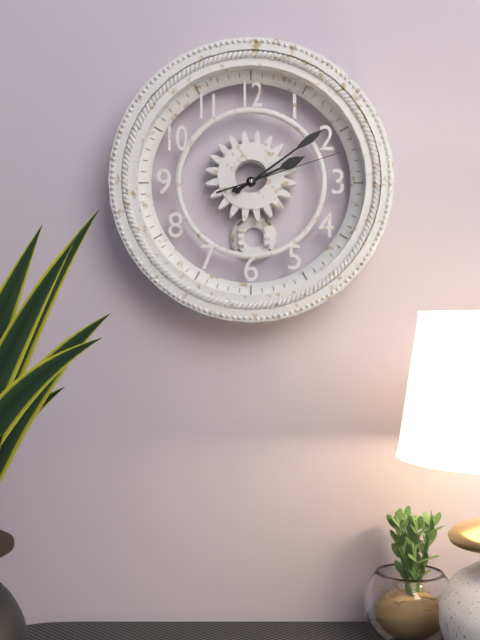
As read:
**2:09:12**
